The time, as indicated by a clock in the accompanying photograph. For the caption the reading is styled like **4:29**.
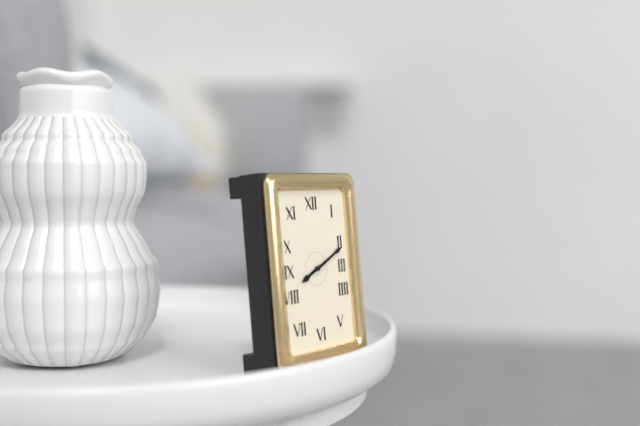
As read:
**8:11**
